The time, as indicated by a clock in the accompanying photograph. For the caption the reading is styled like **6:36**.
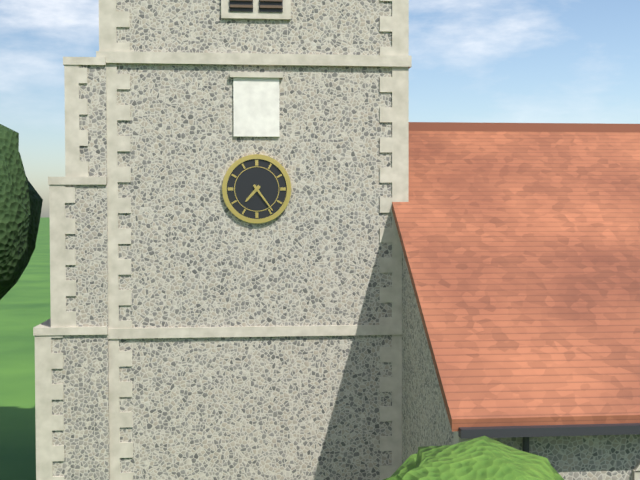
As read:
**7:24**
